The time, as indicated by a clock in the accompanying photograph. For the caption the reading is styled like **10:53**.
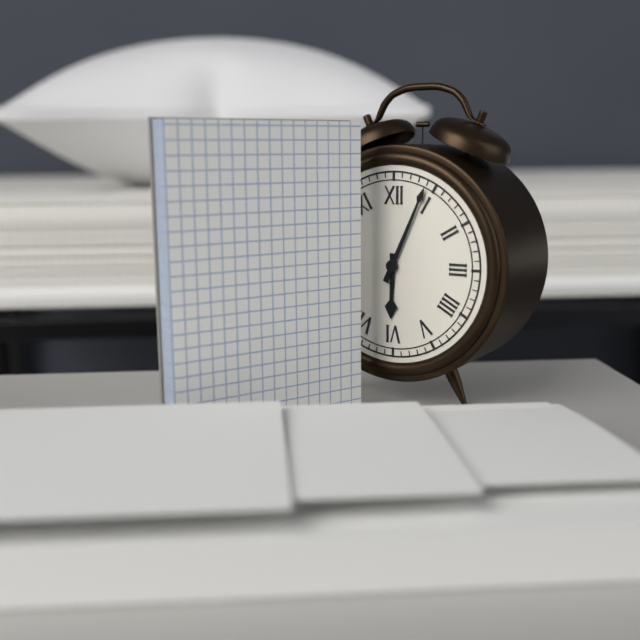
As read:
**6:04**
